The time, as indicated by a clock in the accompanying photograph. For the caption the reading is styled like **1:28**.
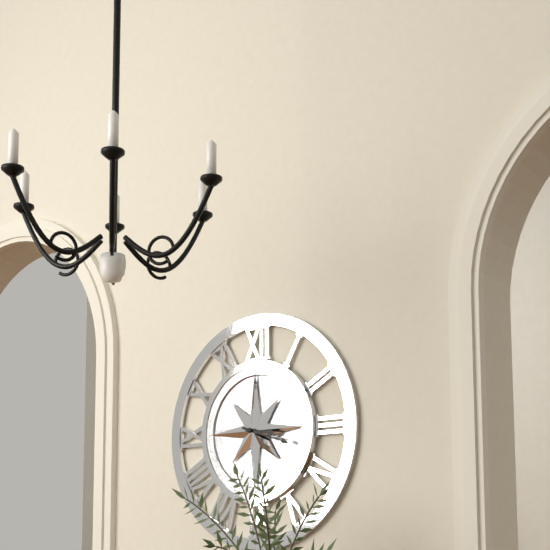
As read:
**3:18**
